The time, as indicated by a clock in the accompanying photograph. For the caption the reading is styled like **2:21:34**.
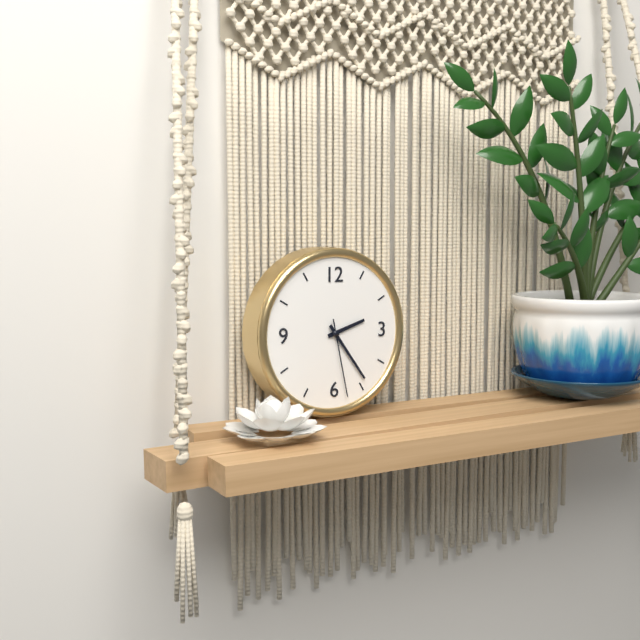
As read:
**2:24:28**
